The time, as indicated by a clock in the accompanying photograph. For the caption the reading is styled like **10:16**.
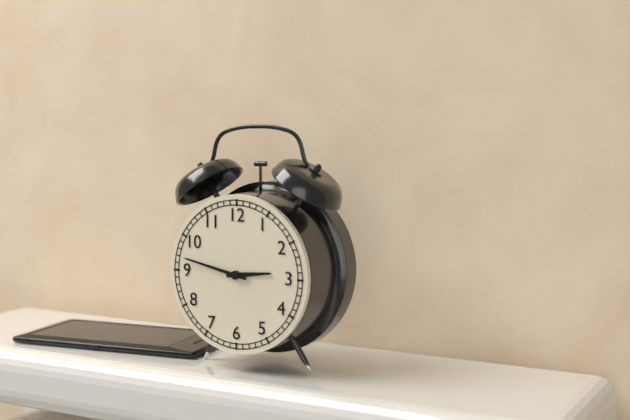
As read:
**2:47**
